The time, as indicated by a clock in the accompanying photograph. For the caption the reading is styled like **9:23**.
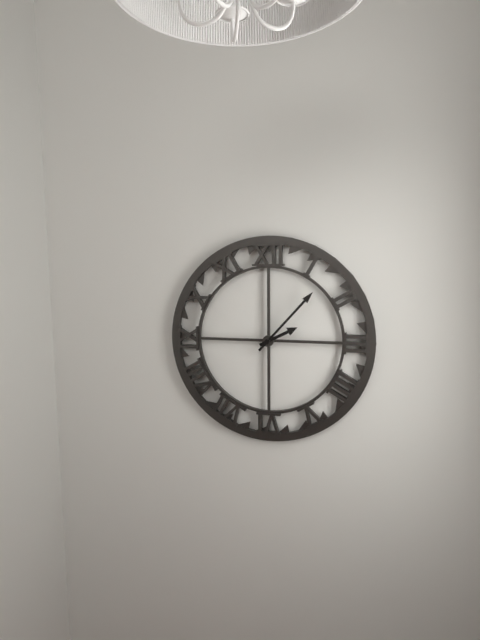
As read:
**2:07**
